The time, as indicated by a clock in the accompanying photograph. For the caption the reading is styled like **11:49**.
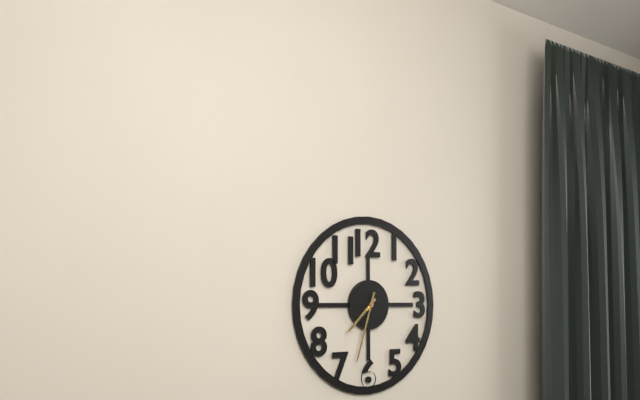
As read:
**7:33**
